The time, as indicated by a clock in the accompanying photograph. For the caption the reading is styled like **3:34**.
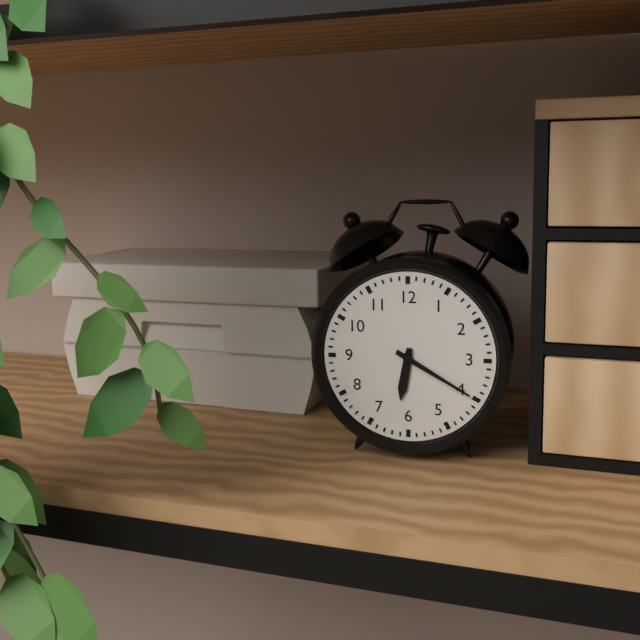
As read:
**6:20**
